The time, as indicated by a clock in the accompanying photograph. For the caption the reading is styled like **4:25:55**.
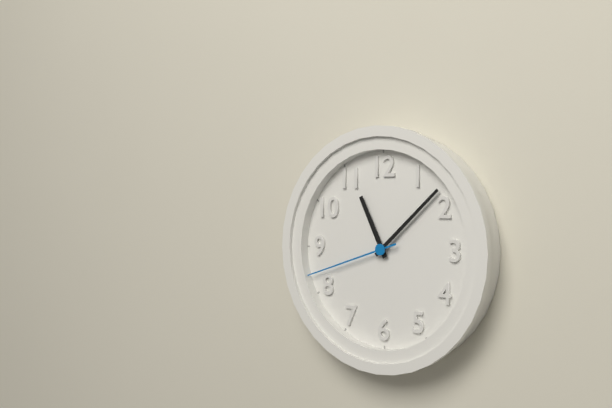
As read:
**11:08:42**
